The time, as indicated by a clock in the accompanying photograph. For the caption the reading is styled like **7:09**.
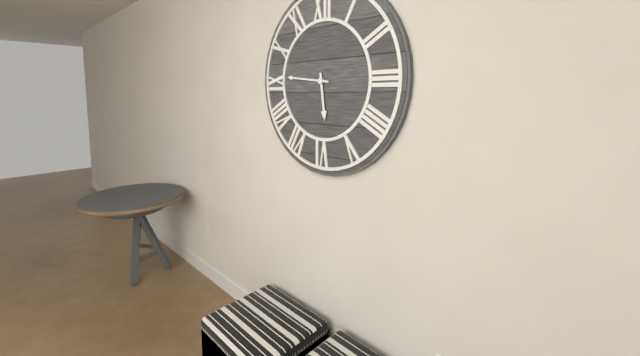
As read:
**5:46**
